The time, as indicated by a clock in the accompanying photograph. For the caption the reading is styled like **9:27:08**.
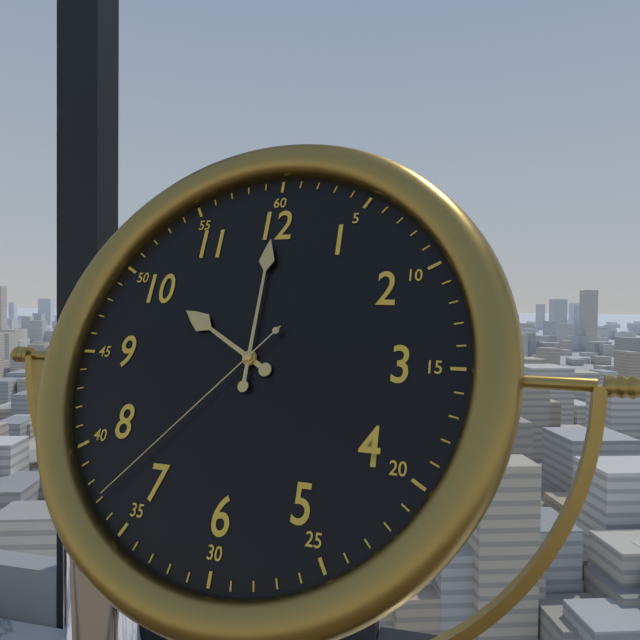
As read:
**10:00:37**
